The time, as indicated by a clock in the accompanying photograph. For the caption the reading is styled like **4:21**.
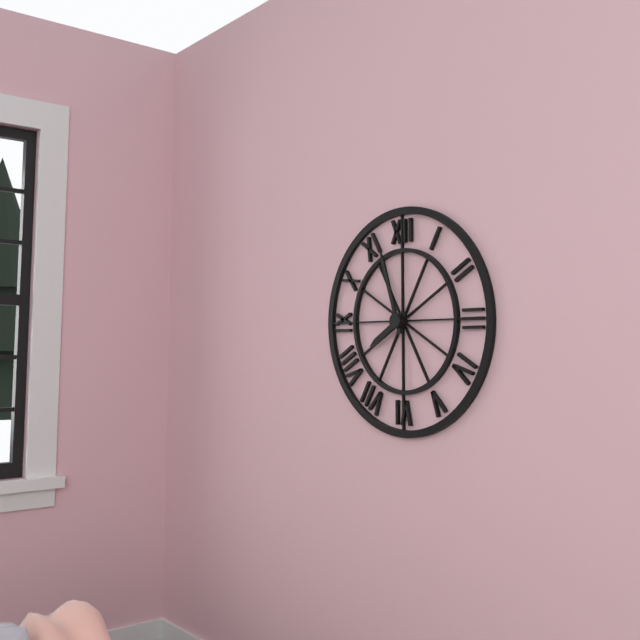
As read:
**7:57**
